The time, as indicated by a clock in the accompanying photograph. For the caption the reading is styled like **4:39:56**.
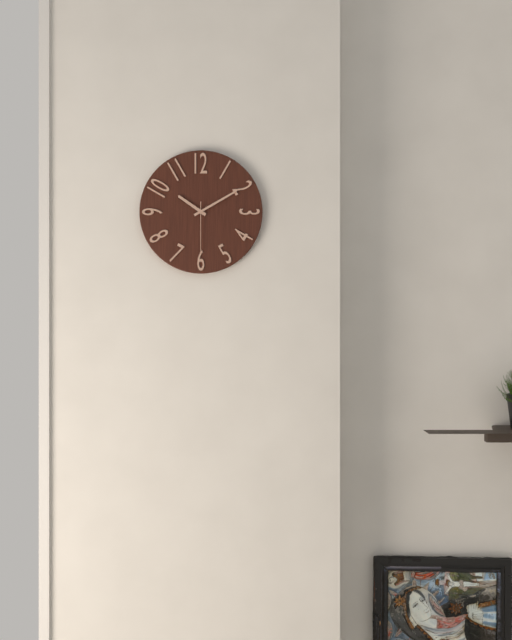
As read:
**10:10:30**
